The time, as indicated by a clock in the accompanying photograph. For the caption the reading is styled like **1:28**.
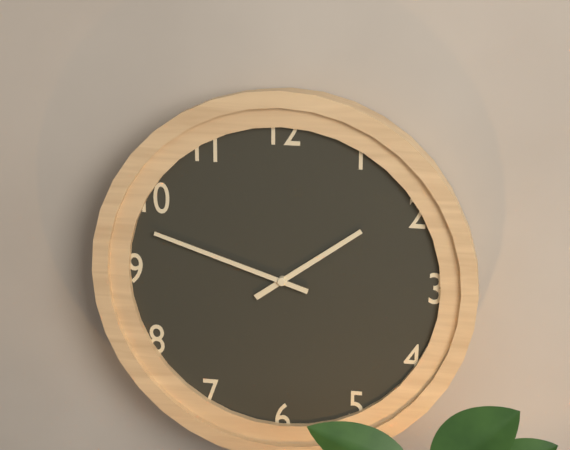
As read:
**1:48**
